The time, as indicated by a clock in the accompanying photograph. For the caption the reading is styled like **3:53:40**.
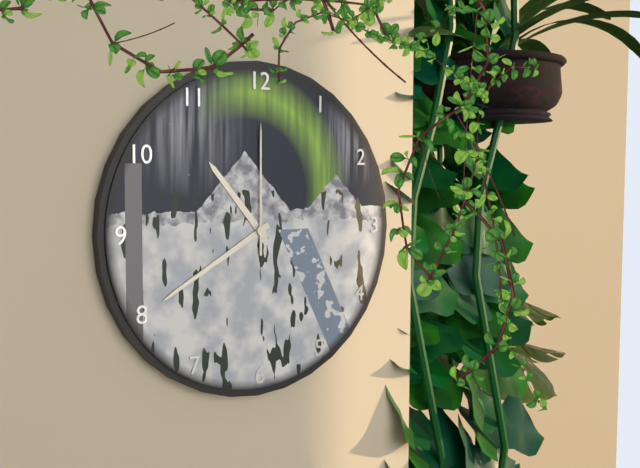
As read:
**10:40:00**
